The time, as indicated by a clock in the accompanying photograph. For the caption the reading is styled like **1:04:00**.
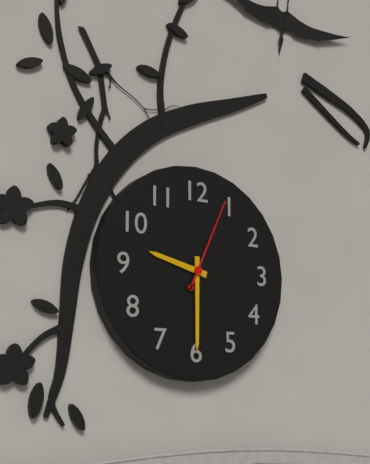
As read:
**9:30:04**
